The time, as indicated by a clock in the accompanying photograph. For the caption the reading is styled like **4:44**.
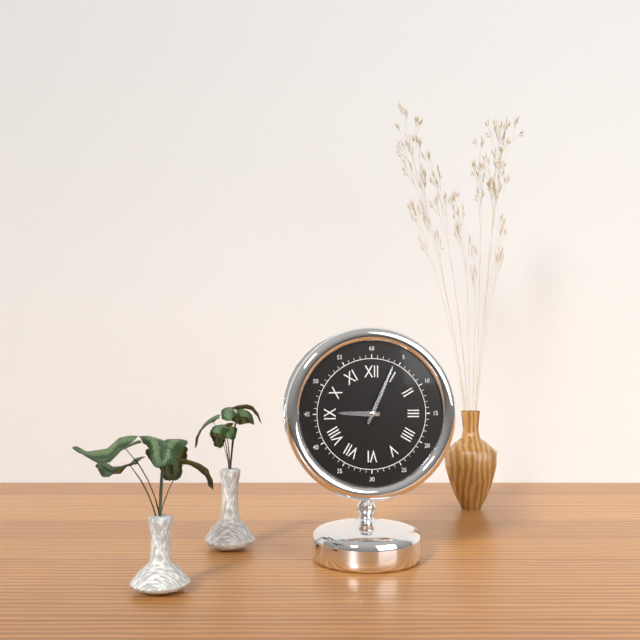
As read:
**9:04**
